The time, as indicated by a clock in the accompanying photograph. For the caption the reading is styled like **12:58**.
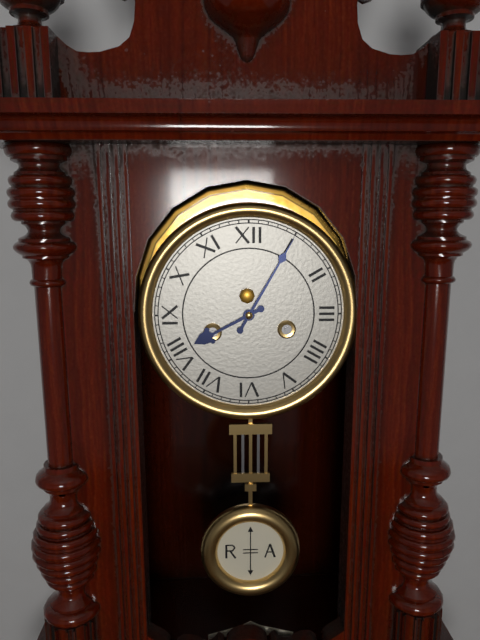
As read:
**8:05**
